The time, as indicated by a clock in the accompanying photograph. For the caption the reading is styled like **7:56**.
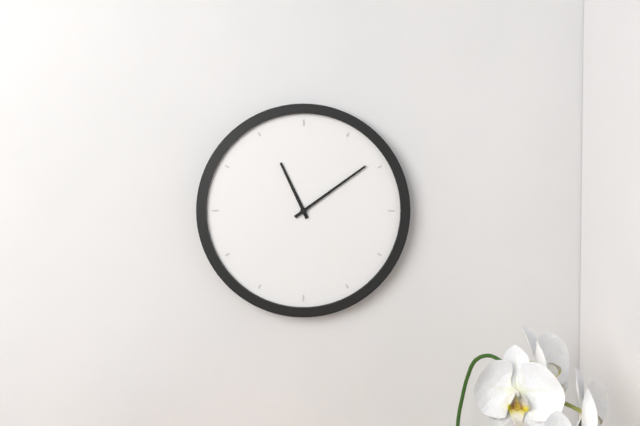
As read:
**11:09**
